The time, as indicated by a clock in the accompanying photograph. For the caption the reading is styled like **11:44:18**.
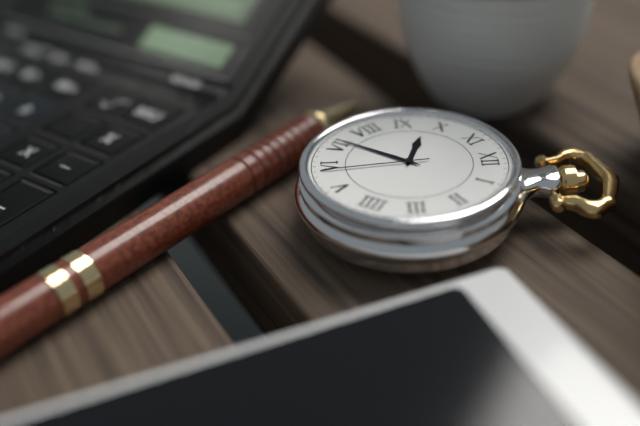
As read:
**9:36:29**
